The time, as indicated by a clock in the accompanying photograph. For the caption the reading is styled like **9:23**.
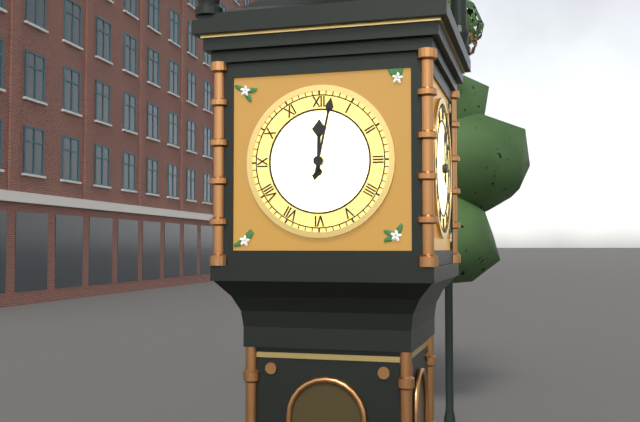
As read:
**12:02**
